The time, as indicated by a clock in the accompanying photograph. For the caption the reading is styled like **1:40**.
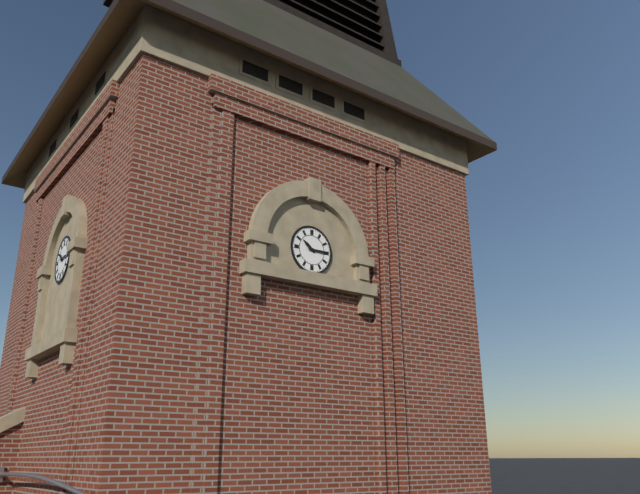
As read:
**10:15**
